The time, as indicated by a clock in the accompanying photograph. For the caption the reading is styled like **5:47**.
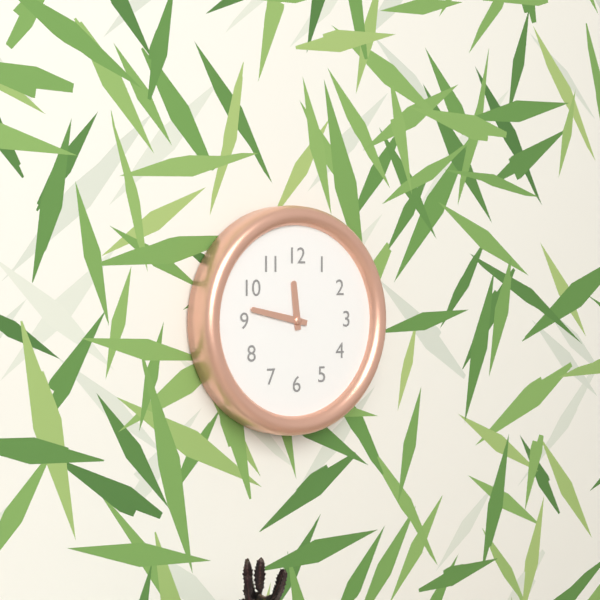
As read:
**11:47**
